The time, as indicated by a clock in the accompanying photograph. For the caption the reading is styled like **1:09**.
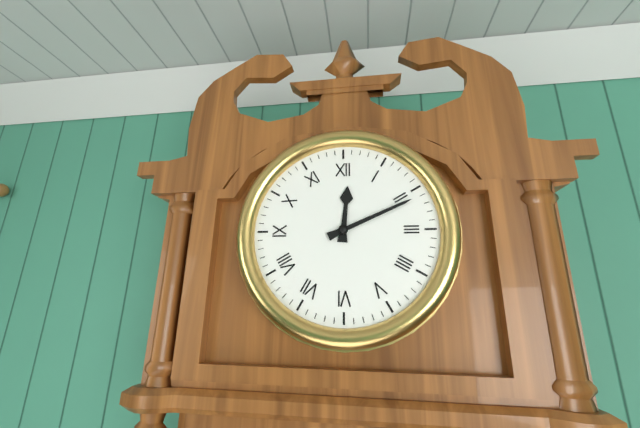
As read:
**12:11**
